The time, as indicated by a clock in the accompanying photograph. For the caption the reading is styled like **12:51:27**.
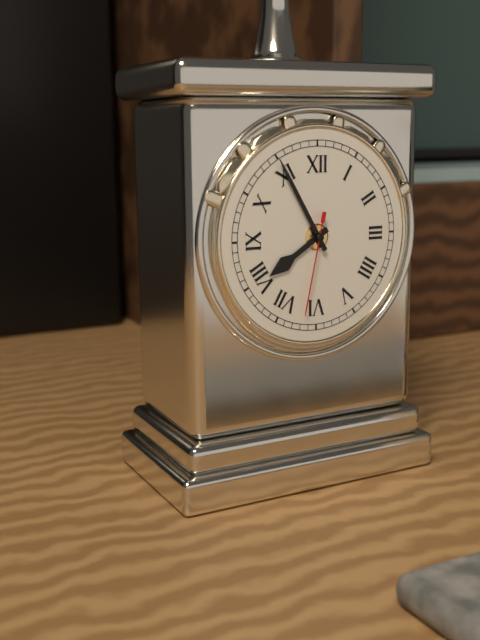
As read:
**7:55:32**
